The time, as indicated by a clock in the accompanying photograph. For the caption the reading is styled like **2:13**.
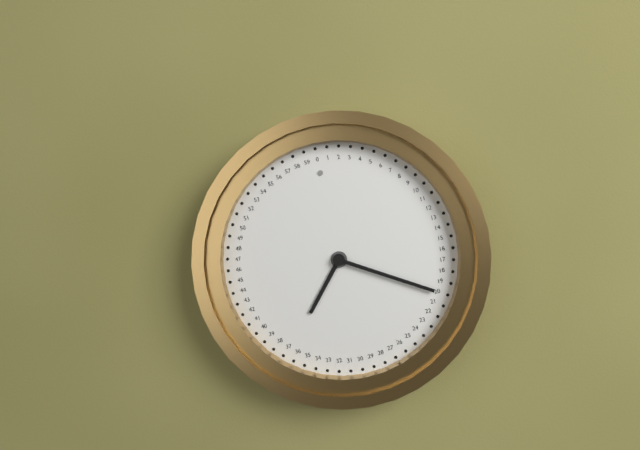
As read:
**7:20**
